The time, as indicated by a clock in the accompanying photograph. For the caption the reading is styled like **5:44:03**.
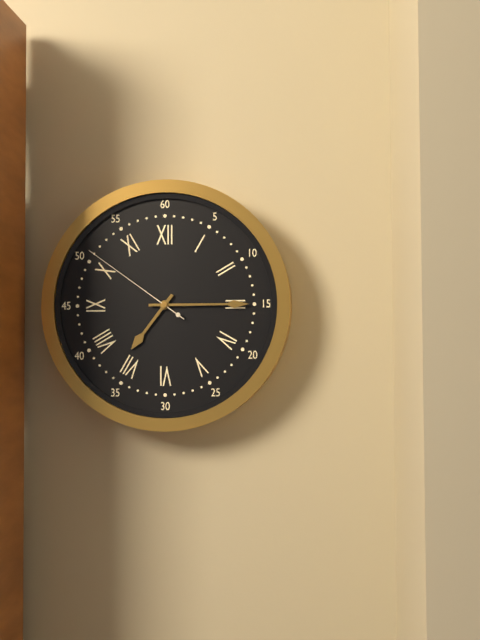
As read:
**7:15:51**
